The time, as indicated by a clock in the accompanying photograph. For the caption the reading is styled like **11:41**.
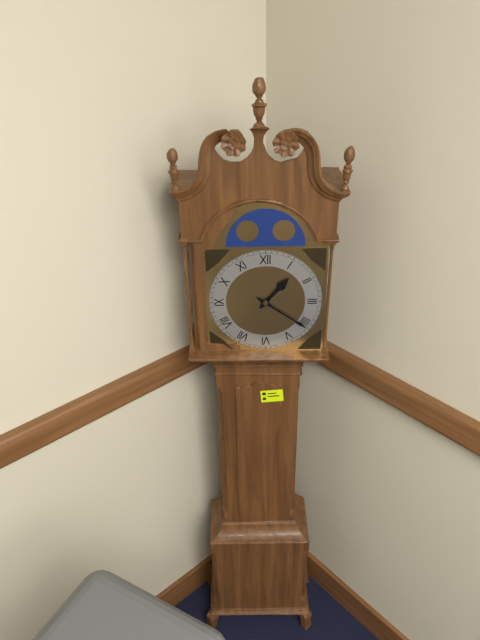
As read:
**1:21**
